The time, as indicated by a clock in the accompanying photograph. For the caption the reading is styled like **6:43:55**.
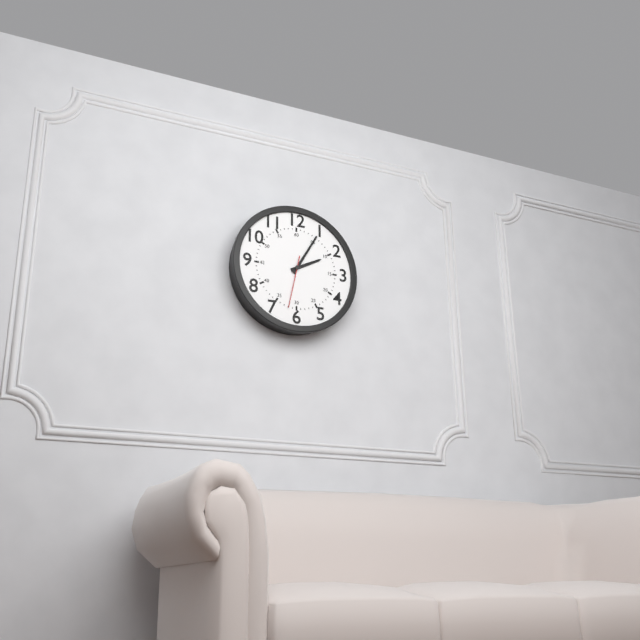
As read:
**2:05:32**
